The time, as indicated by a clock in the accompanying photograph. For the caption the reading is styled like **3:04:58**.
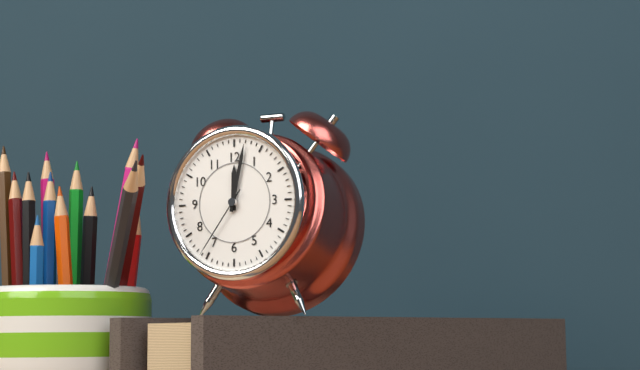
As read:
**12:02:36**
